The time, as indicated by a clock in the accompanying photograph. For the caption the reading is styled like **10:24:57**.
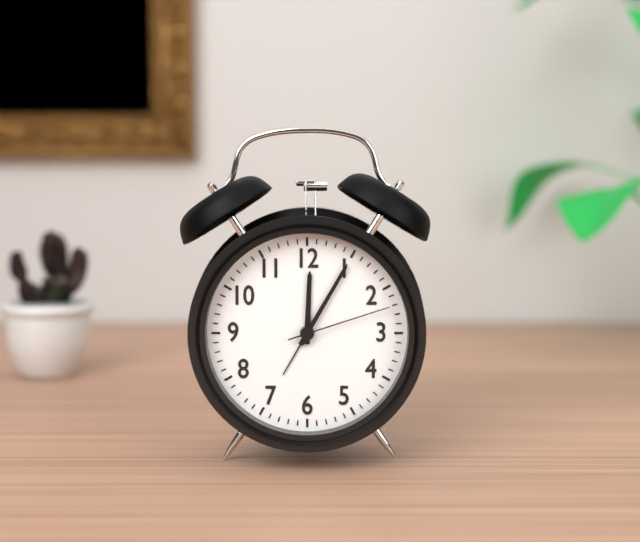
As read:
**12:05:12**
